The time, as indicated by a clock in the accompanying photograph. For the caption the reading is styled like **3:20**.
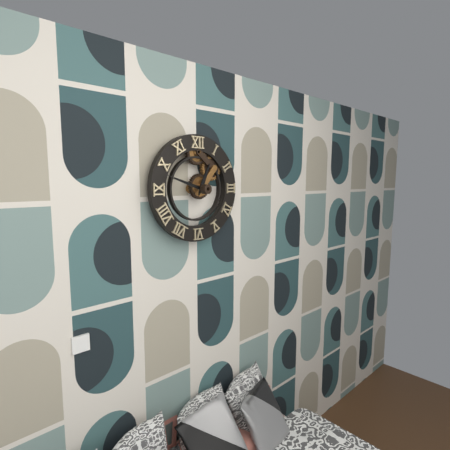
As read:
**12:48**
